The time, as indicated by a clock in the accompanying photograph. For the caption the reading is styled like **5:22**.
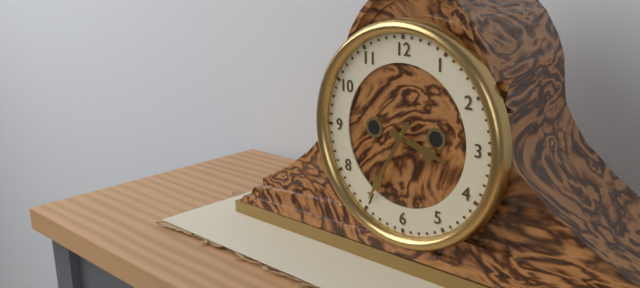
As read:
**3:35**
